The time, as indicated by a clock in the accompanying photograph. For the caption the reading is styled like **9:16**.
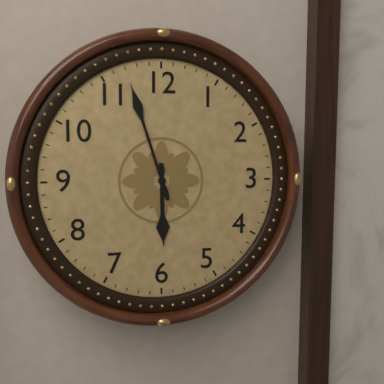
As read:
**5:57**
